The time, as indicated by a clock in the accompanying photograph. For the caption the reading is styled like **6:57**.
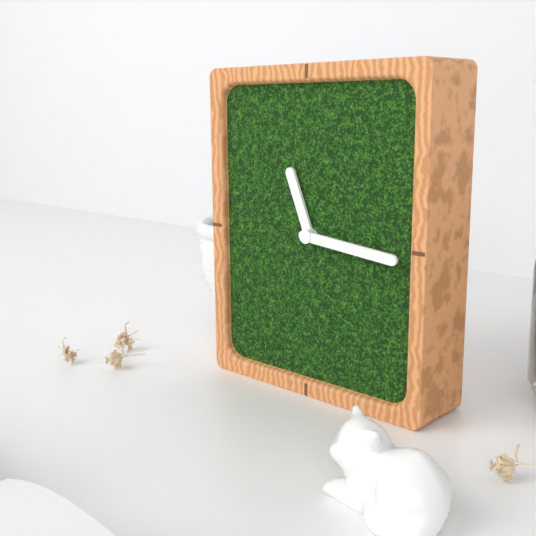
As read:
**11:16**
